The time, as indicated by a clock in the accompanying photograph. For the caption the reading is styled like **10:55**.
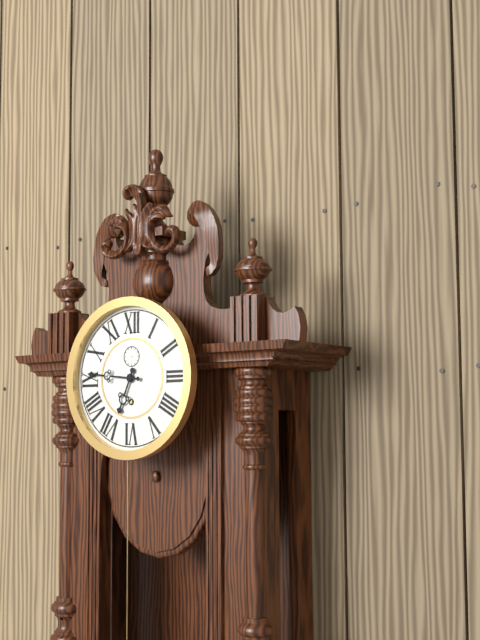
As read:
**6:46**
